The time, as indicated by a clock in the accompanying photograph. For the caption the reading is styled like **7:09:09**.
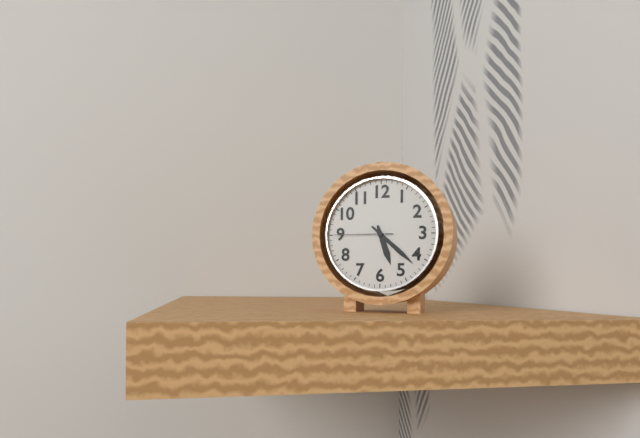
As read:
**5:22:45**
